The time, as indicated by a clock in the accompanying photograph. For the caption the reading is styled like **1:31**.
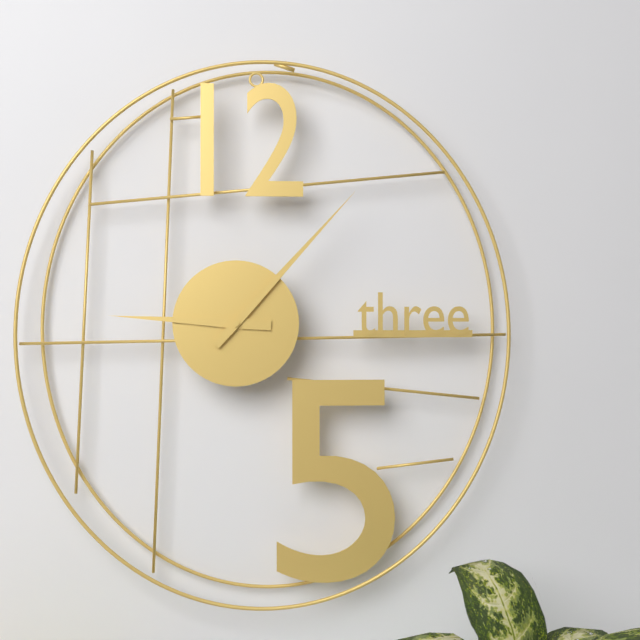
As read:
**9:07**
